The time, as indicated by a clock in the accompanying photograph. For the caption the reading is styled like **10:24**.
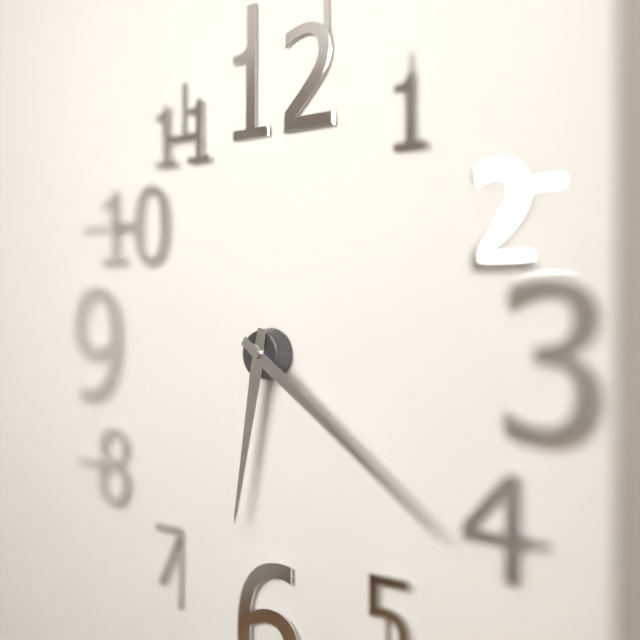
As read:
**6:21**
